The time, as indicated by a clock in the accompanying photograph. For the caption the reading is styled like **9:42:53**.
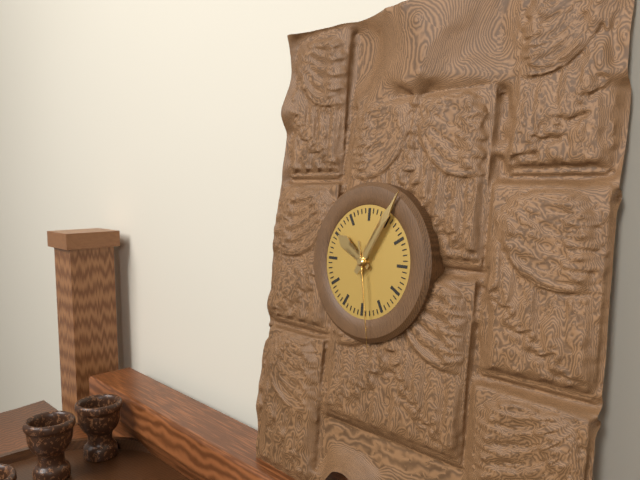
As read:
**10:05:28**
